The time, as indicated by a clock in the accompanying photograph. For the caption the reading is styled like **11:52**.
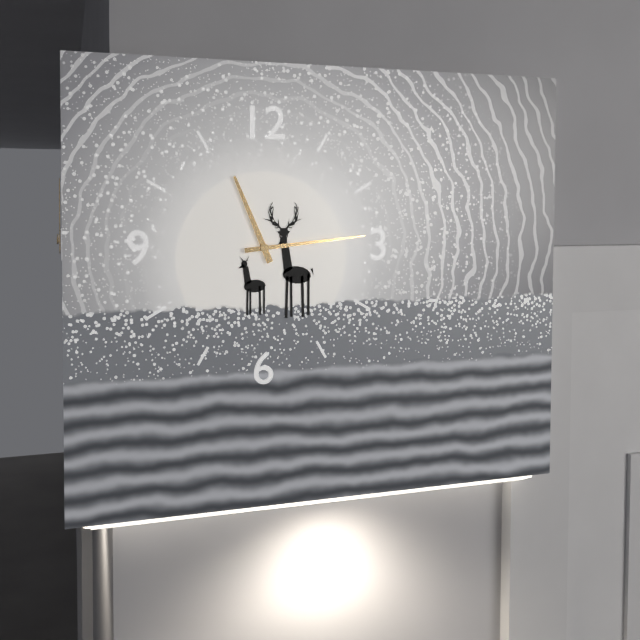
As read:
**11:14**
